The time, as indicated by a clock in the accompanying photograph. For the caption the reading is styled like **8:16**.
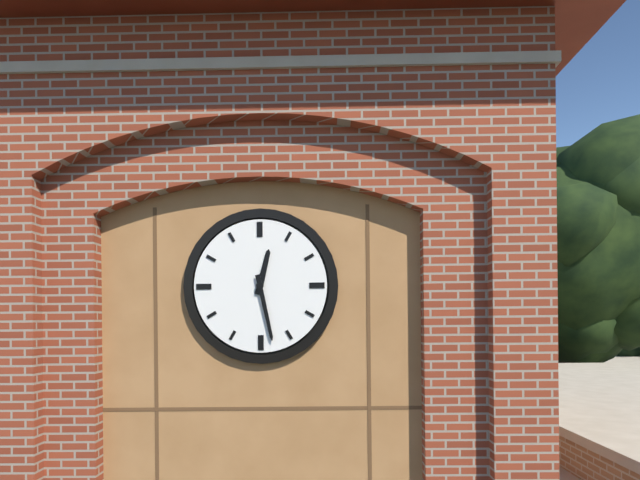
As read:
**12:28**
